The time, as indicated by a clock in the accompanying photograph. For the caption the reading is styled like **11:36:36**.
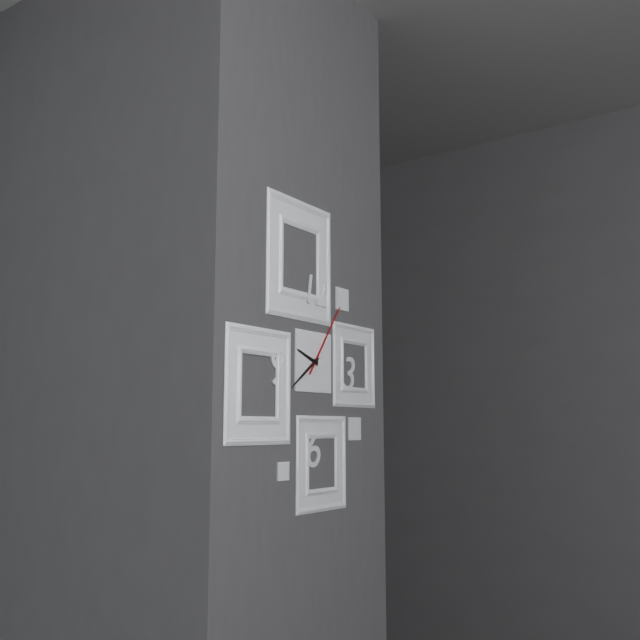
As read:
**9:39:06**
